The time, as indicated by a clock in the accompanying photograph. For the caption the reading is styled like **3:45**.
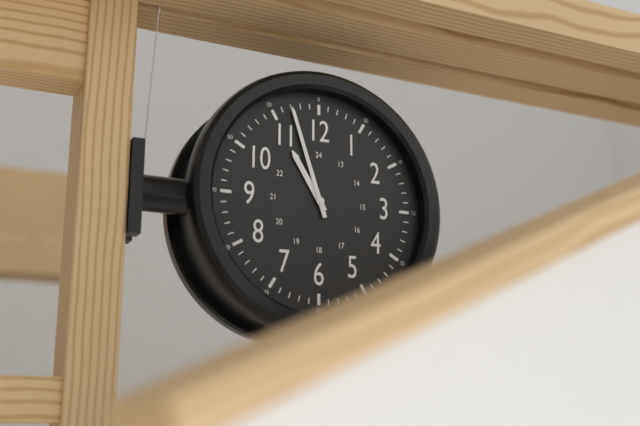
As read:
**10:57**
